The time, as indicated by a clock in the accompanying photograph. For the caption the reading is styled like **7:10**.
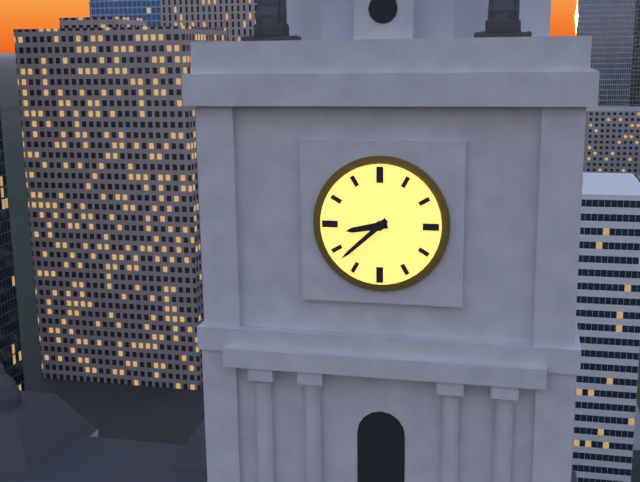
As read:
**8:38**
